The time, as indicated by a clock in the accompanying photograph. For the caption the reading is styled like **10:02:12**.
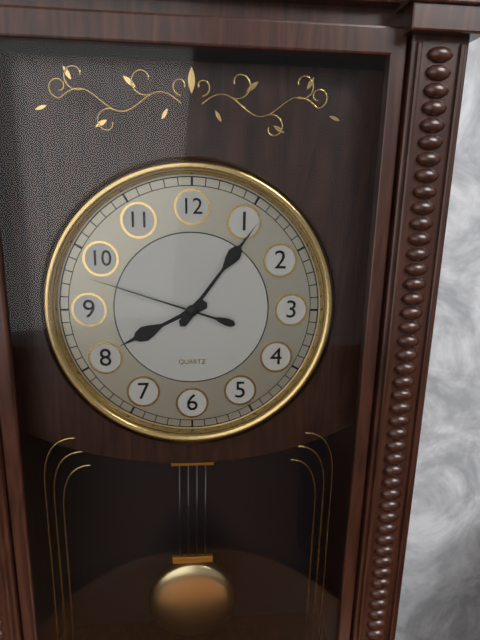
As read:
**8:06:48**
